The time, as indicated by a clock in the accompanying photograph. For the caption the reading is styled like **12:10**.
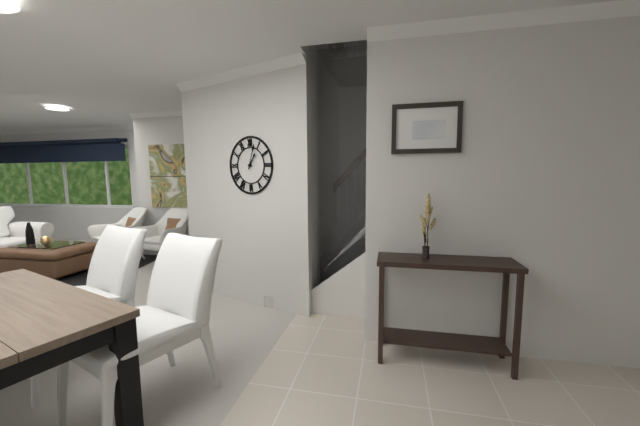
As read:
**1:03**
